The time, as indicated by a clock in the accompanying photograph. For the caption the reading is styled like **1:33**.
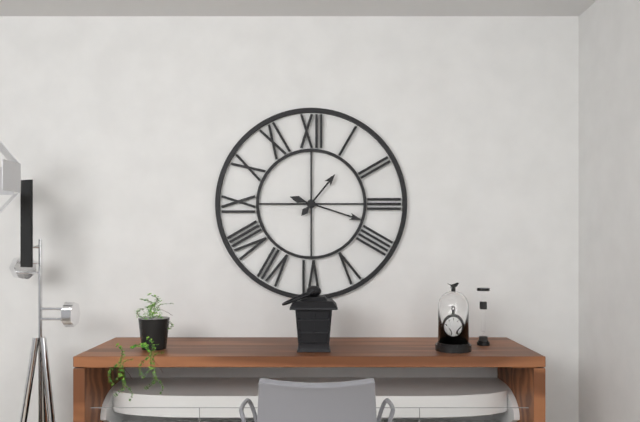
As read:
**1:18**
